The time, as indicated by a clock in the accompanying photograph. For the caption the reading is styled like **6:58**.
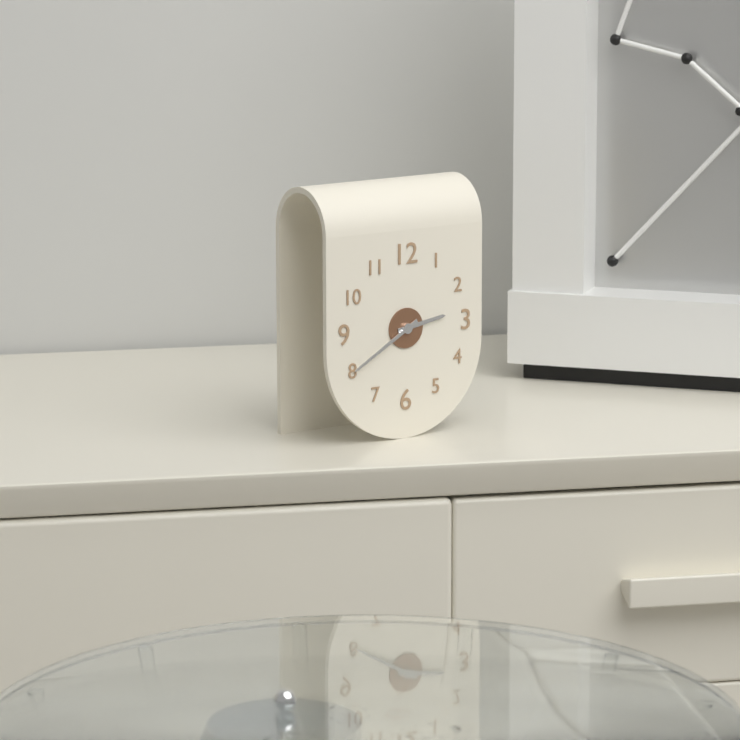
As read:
**2:40**
